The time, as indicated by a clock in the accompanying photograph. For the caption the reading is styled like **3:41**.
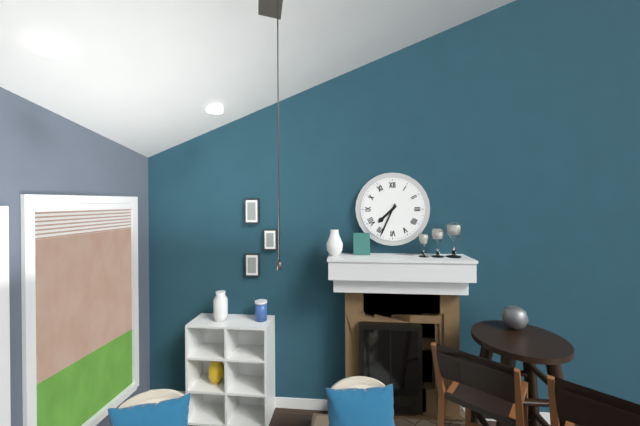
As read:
**7:34**
